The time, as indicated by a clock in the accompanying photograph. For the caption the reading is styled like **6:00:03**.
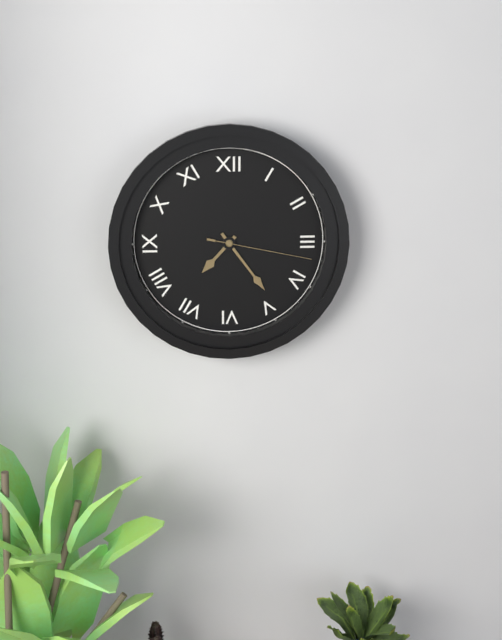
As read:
**7:24:17**
